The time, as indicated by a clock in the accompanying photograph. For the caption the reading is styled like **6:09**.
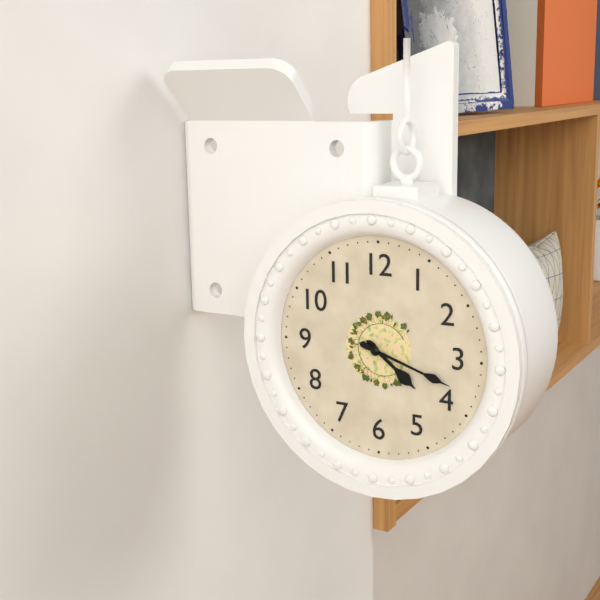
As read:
**4:18**
